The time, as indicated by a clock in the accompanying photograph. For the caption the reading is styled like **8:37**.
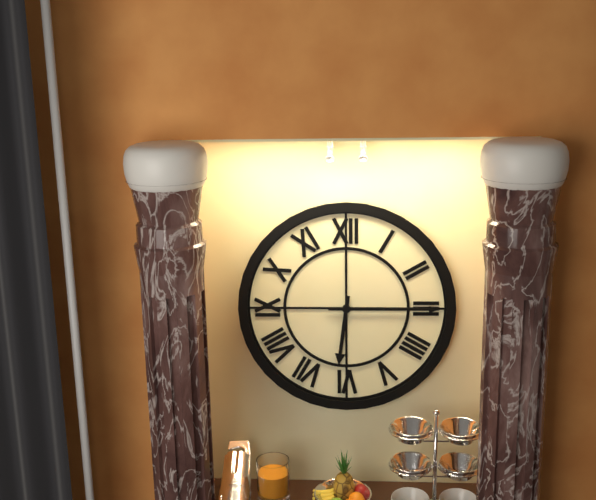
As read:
**6:15**
